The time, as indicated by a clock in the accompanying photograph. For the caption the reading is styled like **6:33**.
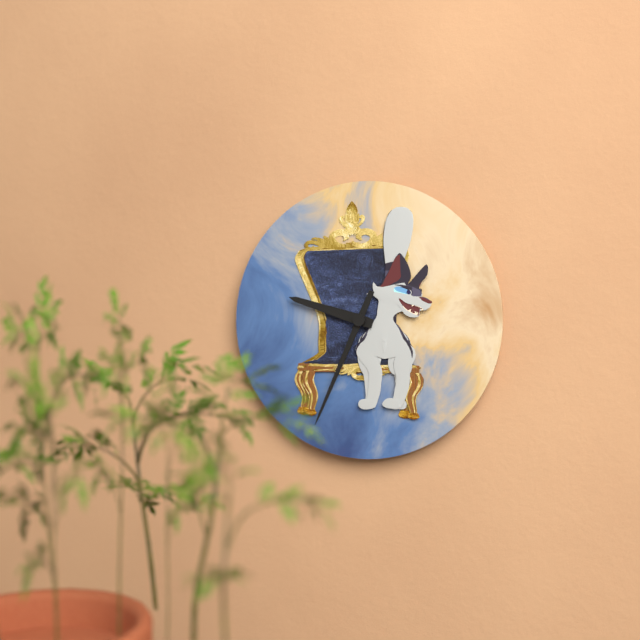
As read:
**9:34**
